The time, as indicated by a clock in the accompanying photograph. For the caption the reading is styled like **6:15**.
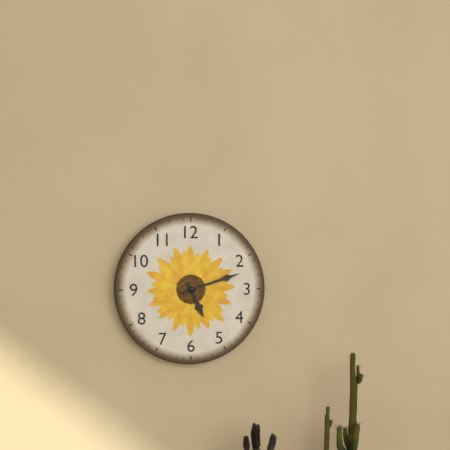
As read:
**5:12**
